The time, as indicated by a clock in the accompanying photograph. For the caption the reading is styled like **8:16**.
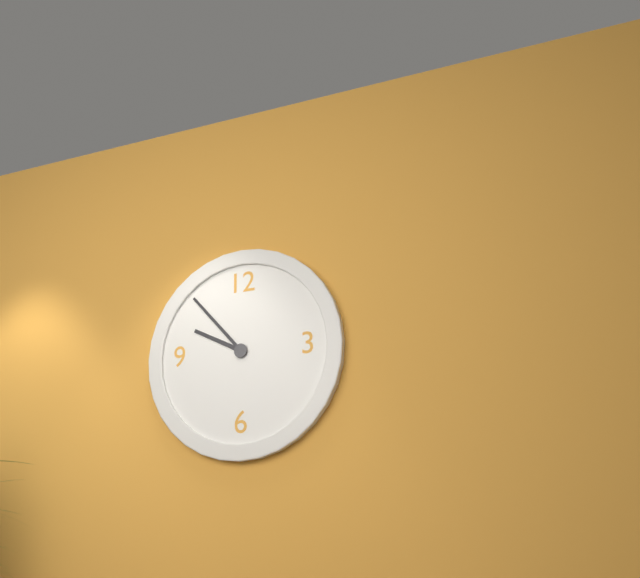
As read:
**9:53**
